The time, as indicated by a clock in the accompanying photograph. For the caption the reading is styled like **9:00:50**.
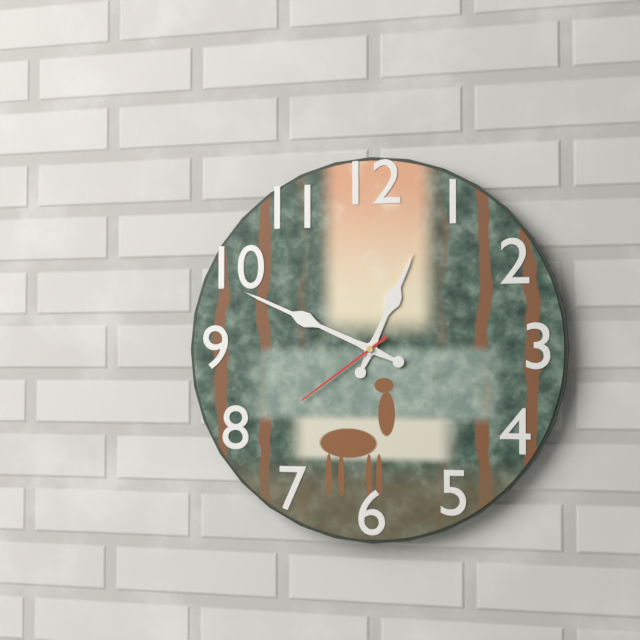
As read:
**12:49:39**
